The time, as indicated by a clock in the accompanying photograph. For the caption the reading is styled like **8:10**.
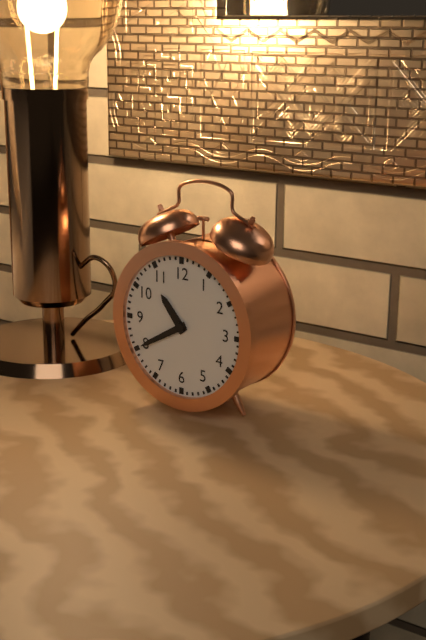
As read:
**10:40**
